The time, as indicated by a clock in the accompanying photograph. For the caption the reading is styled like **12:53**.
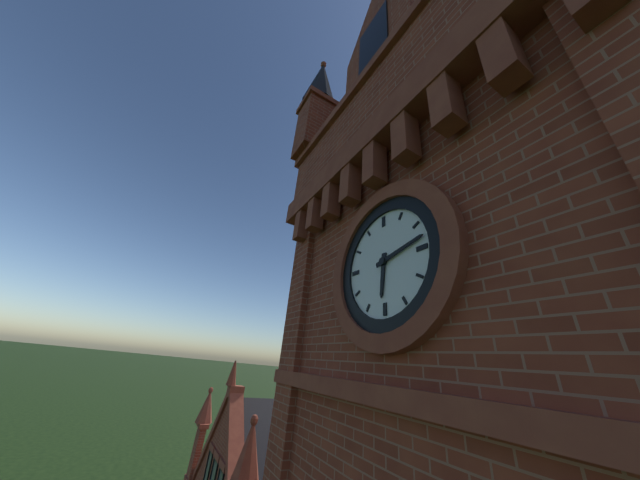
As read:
**6:13**
